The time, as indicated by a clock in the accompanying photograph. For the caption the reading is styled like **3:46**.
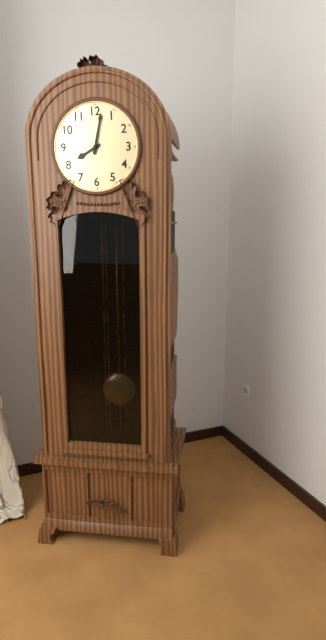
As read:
**8:02**
